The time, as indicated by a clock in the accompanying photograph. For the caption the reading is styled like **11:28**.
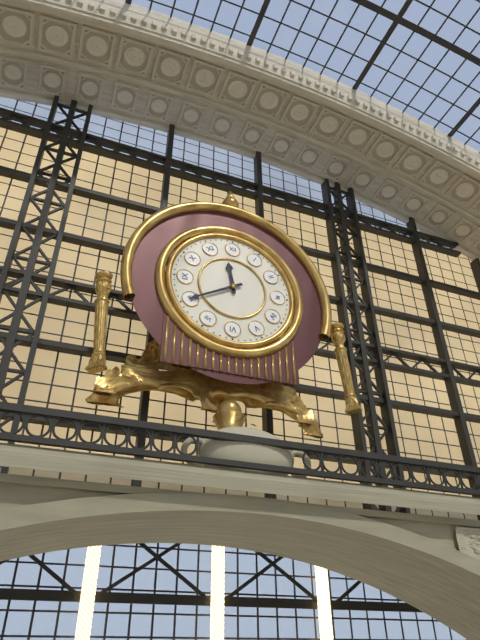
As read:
**11:40**
